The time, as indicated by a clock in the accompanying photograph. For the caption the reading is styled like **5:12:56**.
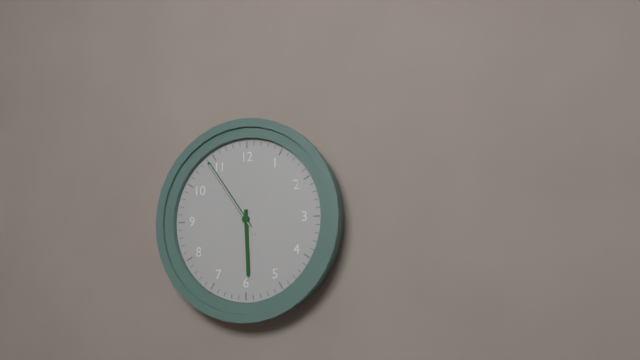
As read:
**5:54:54**
